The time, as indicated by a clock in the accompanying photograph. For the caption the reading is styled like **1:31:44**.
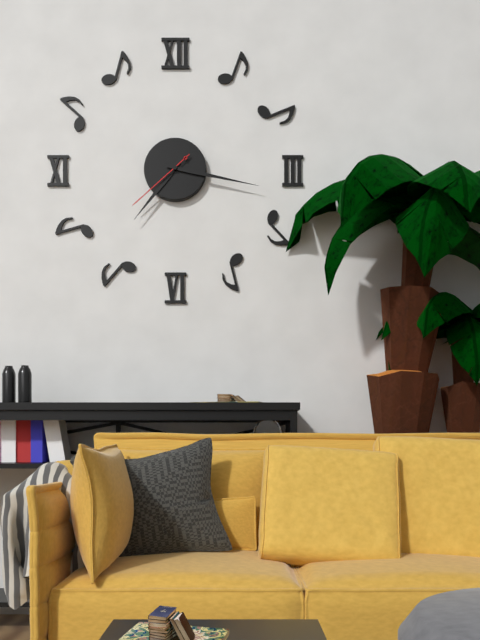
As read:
**7:17:38**
